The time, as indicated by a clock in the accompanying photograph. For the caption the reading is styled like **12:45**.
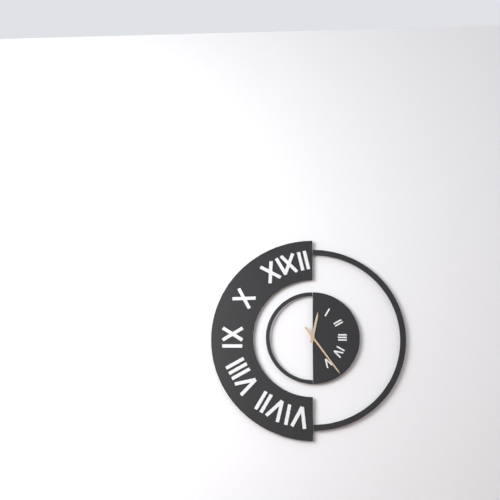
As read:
**12:24**
